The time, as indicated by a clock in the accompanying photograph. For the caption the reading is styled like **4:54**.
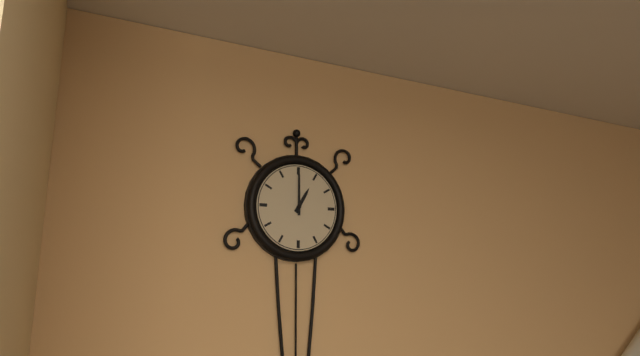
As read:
**1:00**
